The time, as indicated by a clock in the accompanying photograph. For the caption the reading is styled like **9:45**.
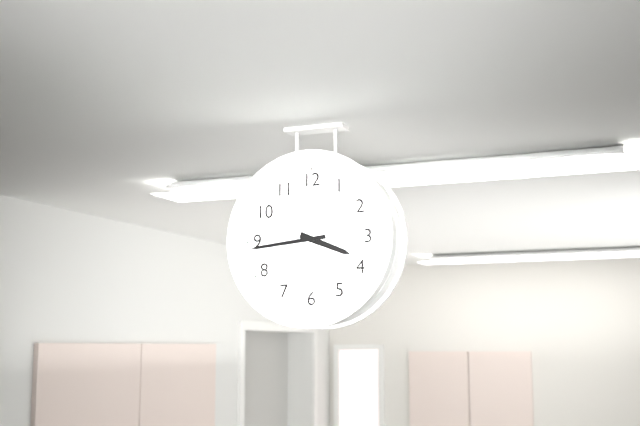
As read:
**3:44**
